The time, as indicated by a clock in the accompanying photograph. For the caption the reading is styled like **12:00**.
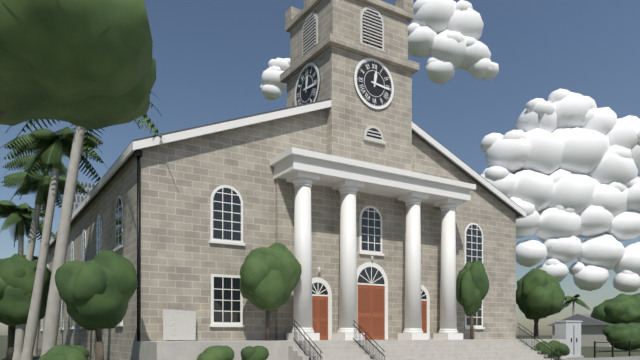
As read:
**12:16**
